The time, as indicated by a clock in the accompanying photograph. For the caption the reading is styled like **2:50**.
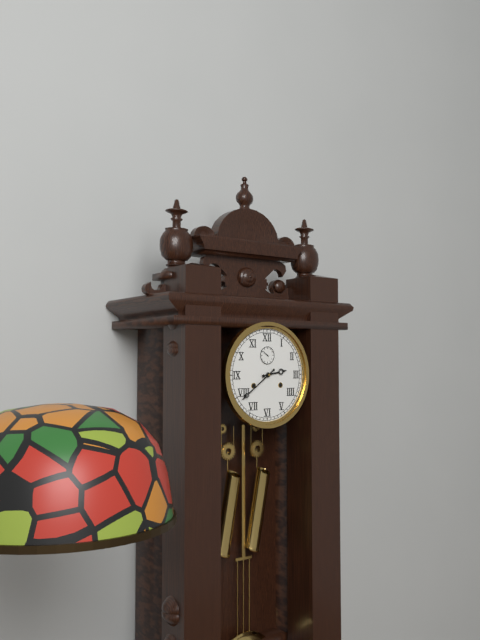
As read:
**2:39**
